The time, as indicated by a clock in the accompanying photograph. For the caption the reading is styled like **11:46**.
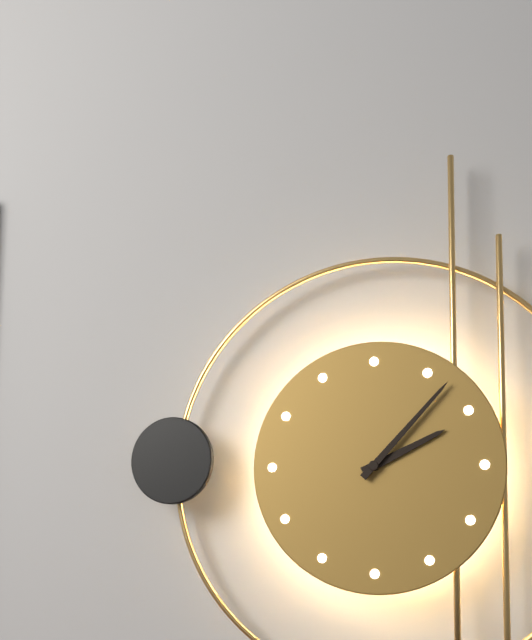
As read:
**2:07**
